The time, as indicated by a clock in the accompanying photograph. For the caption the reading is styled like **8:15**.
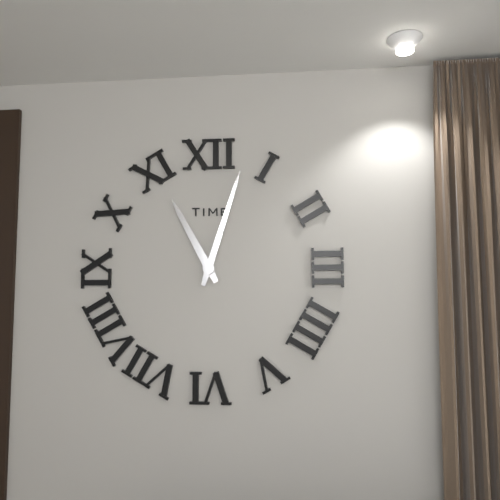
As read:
**11:03**
